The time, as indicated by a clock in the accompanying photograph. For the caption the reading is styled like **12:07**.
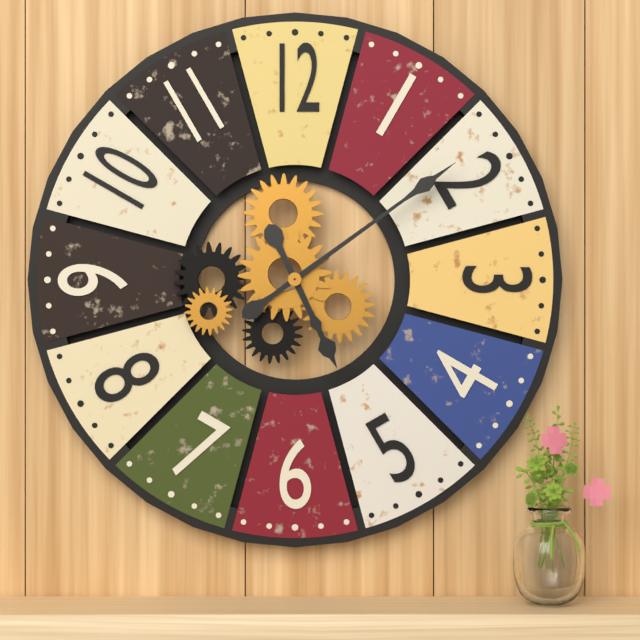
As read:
**5:09**
